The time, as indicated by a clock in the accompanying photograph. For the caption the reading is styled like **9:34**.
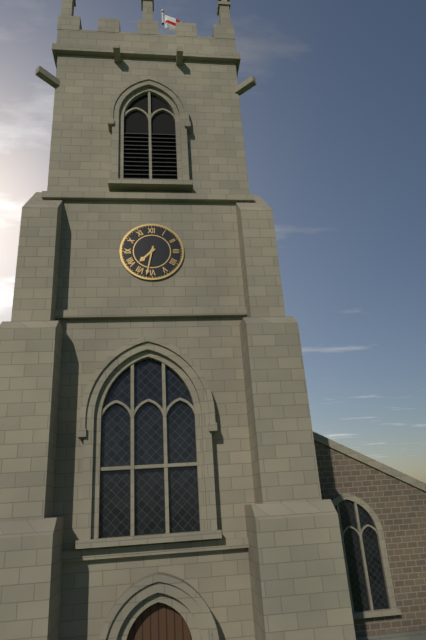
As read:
**7:32**
